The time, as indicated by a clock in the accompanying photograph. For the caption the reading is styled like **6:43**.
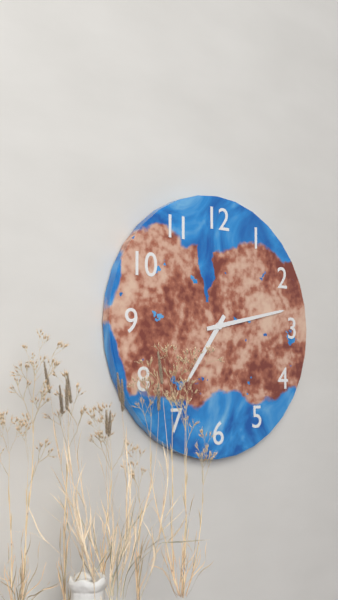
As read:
**7:13**
